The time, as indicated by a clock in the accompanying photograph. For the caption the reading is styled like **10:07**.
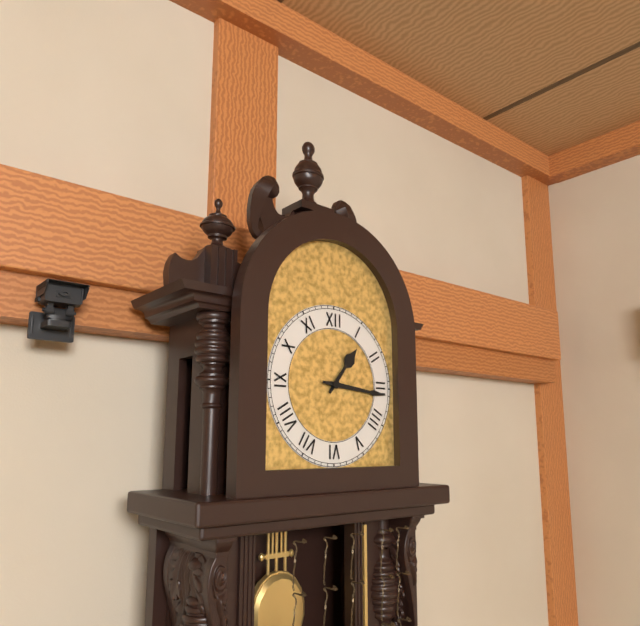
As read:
**1:16**
